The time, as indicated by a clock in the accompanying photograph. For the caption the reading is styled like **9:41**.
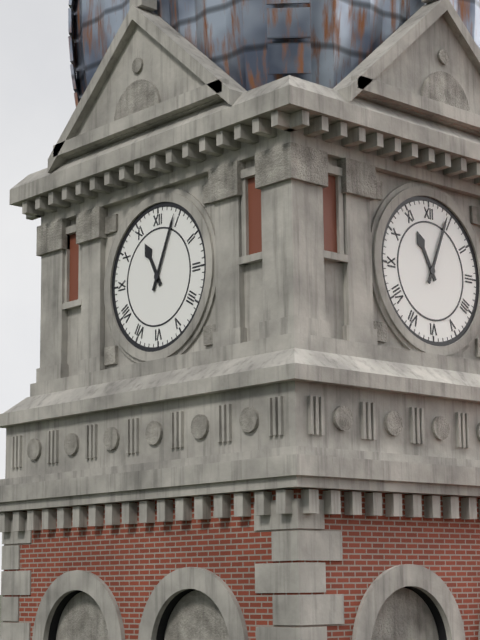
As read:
**11:04**
